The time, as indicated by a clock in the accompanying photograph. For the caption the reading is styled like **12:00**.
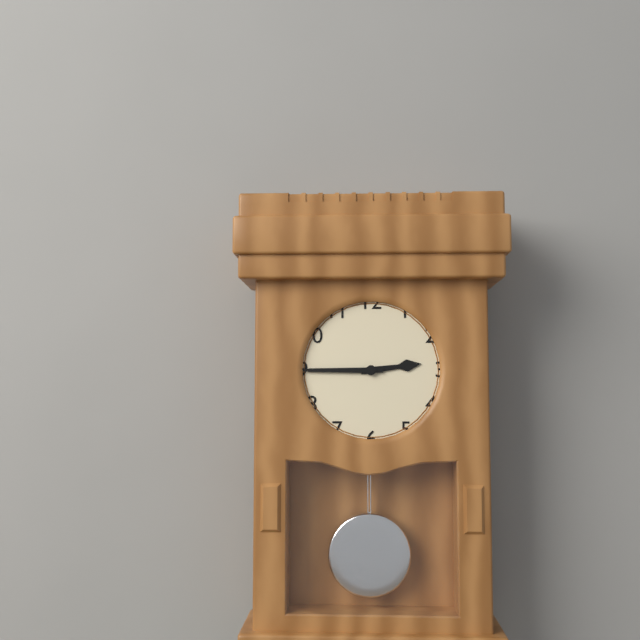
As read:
**2:45**
